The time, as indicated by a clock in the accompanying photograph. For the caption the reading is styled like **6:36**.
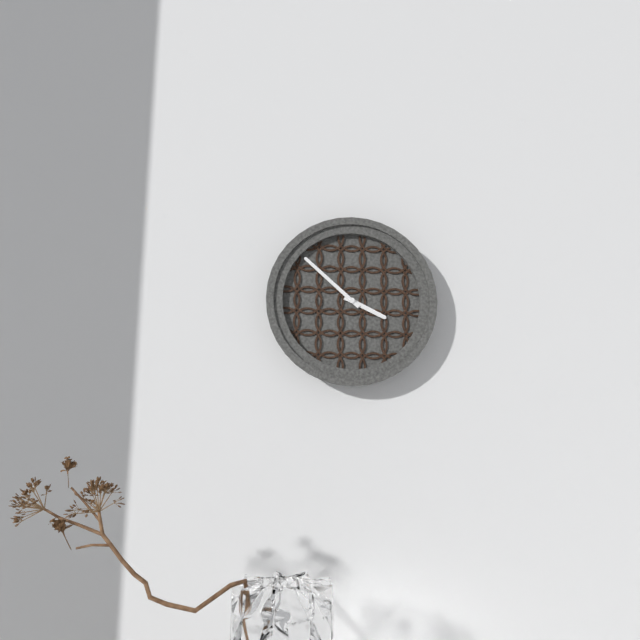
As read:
**3:52**
